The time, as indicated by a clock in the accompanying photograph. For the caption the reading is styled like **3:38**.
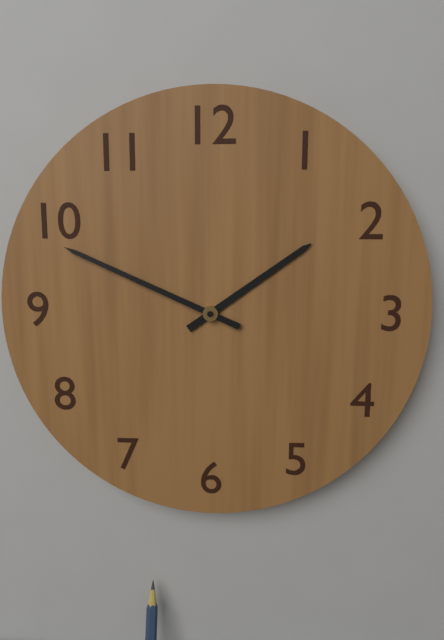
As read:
**1:49**
